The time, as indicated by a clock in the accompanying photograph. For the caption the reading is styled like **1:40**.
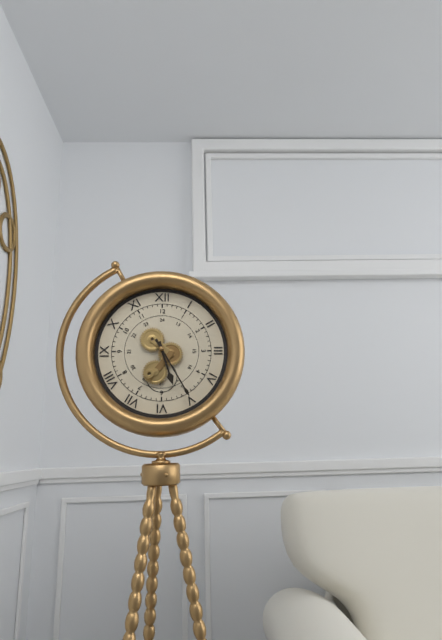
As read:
**5:25**
